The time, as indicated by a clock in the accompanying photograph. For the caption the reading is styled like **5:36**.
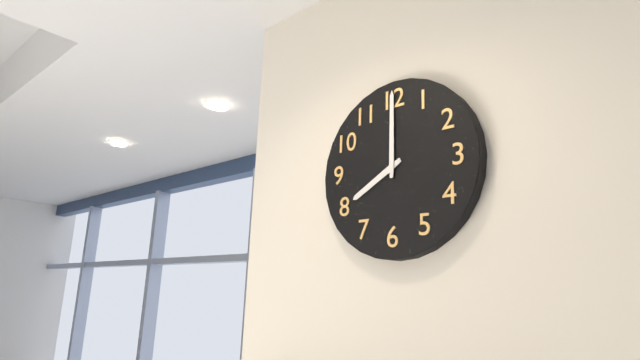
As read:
**8:00**
